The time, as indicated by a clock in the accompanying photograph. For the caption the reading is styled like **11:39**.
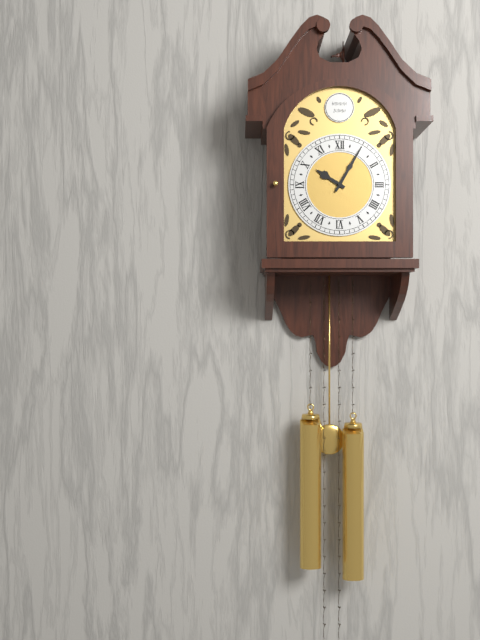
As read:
**10:05**
